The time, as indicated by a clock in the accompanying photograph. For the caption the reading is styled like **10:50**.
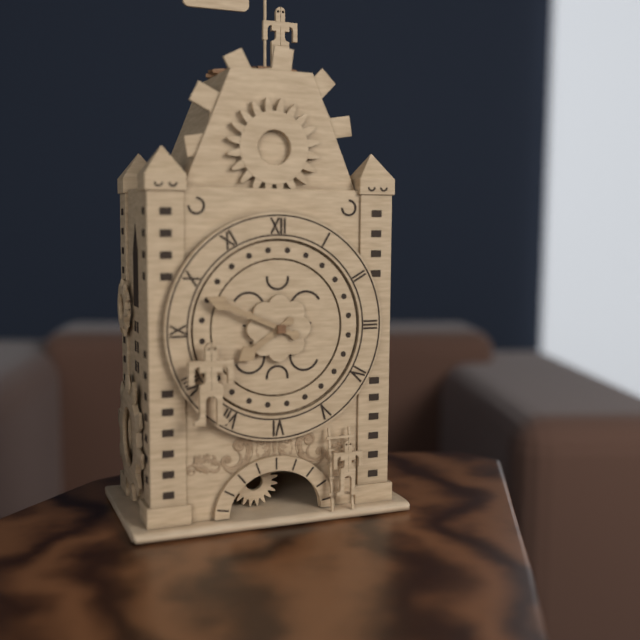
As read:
**7:49**
